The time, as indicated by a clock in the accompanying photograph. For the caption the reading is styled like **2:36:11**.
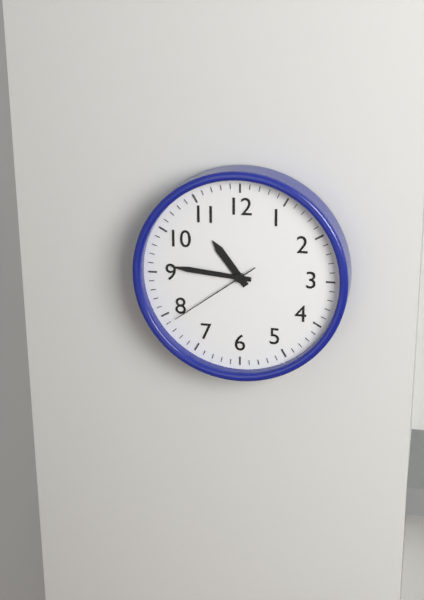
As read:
**10:46:39**
